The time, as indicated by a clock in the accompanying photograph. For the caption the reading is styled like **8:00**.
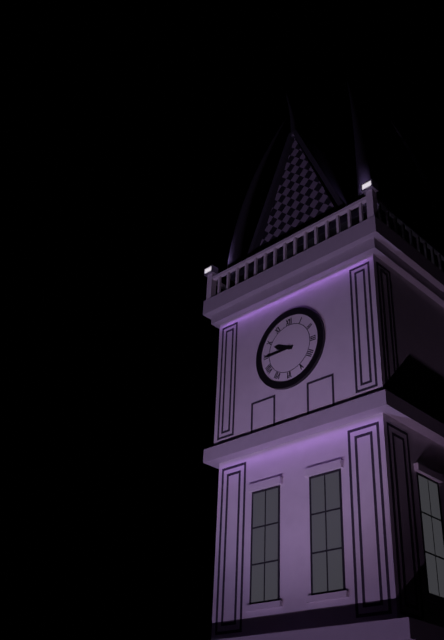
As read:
**9:45**
